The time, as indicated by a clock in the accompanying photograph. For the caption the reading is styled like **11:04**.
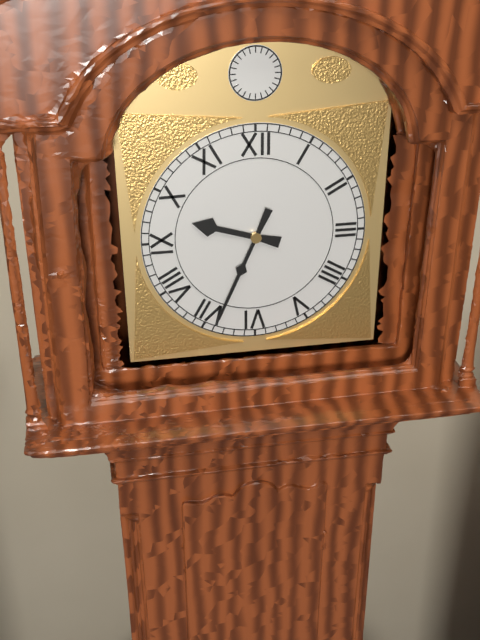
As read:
**9:34**
